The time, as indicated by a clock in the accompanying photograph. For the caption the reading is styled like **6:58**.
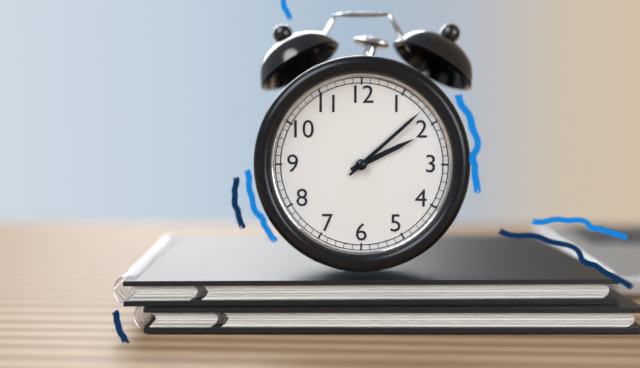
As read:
**2:08**
